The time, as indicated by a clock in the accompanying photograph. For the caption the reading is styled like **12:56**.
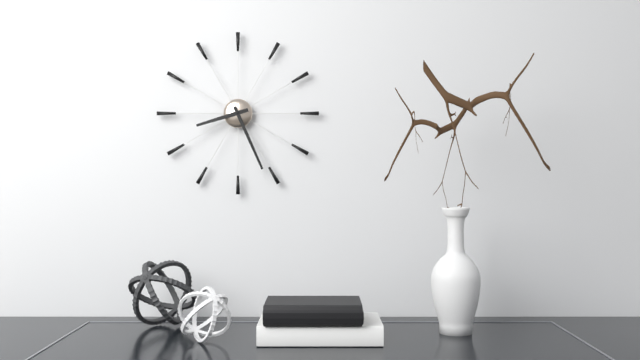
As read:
**8:26**
